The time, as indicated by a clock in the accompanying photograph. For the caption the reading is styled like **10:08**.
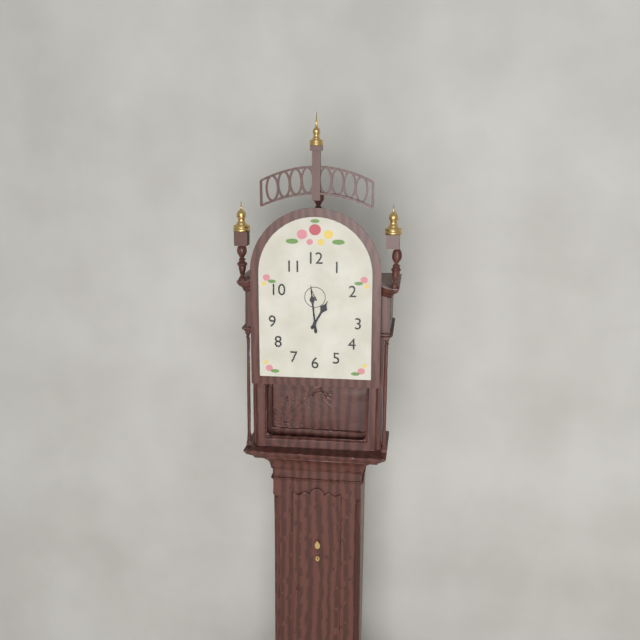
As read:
**12:59**
